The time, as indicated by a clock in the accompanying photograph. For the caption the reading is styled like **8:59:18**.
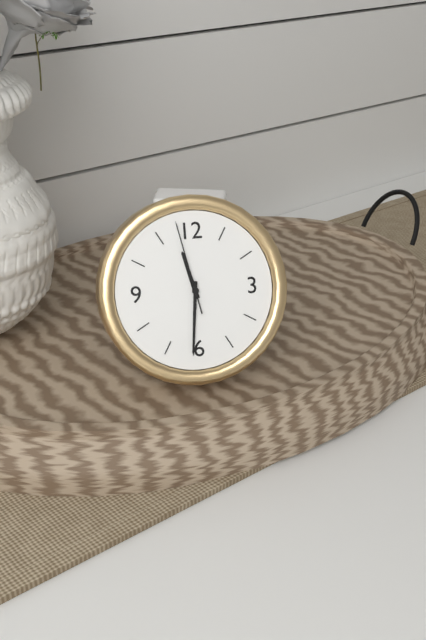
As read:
**11:31:58**
